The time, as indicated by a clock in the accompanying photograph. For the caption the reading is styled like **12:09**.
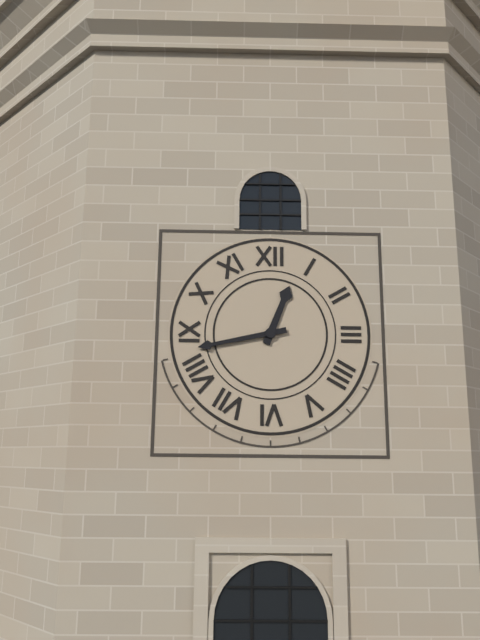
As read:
**12:43**
